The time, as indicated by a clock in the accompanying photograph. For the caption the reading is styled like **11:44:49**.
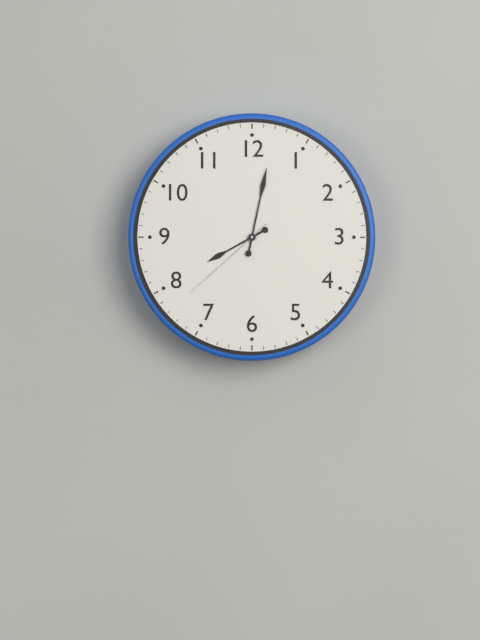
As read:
**8:02:38**
